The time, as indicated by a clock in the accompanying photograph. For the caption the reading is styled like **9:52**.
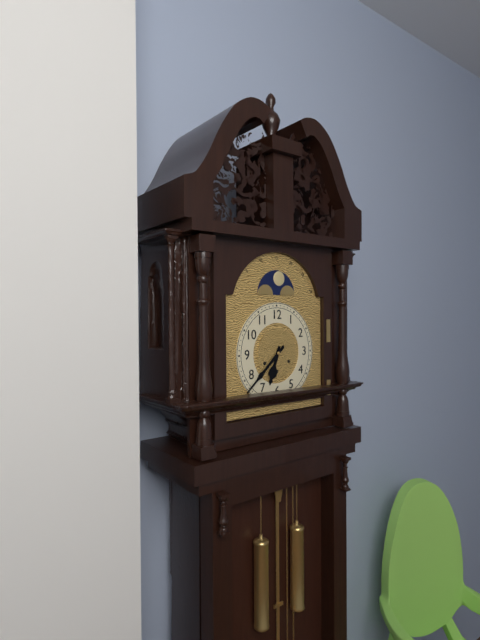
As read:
**6:38**
